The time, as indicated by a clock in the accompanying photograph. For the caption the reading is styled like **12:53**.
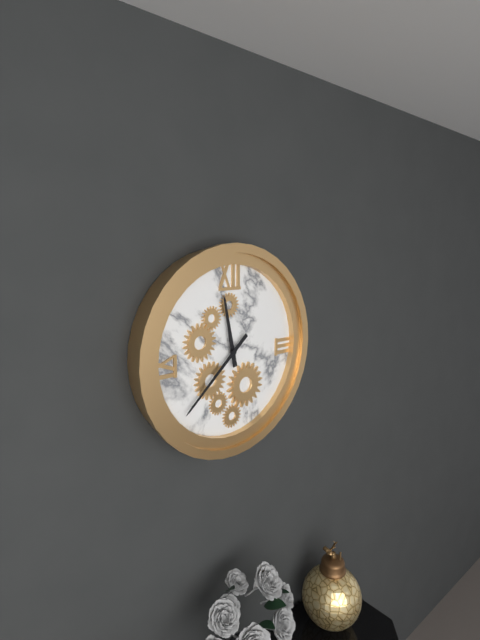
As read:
**11:38**
